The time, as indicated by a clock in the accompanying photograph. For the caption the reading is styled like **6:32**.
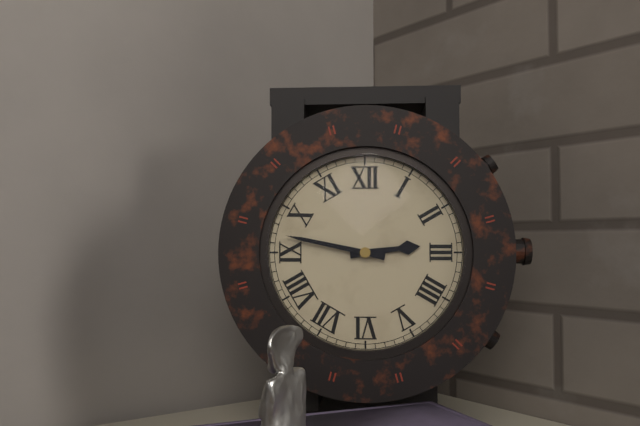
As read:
**2:47**
